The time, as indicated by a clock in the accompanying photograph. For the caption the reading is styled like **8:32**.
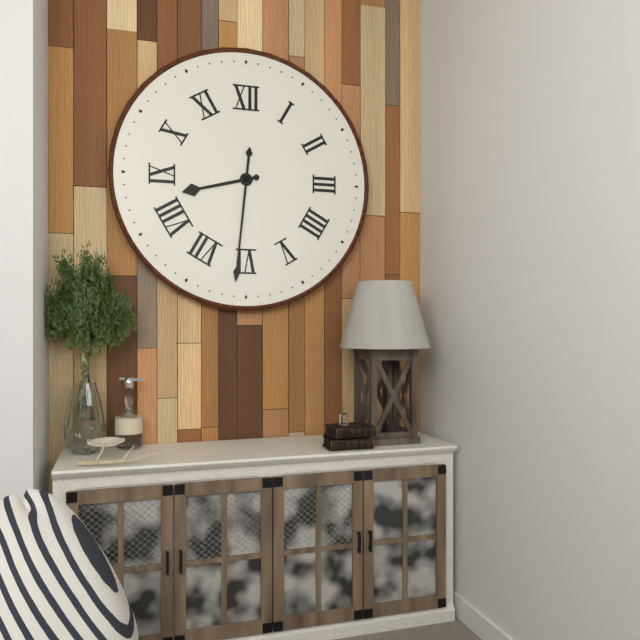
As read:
**8:31**
